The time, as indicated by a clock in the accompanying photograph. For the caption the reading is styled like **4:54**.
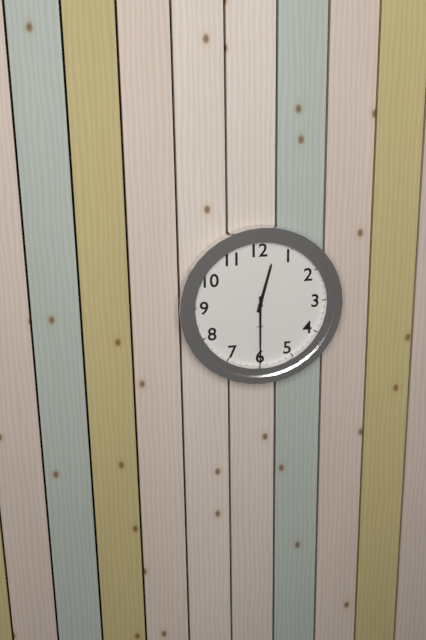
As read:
**12:30**
